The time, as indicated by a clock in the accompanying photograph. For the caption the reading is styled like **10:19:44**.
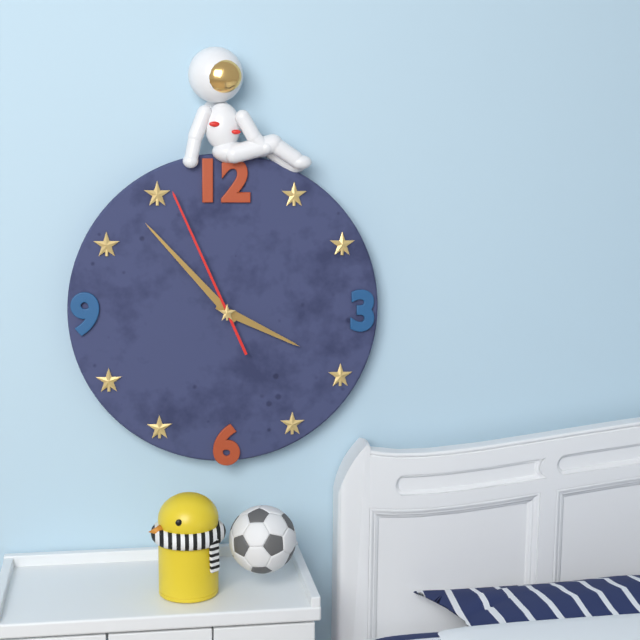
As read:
**3:53:56**
